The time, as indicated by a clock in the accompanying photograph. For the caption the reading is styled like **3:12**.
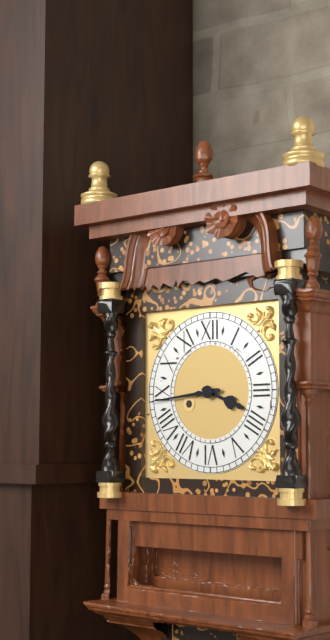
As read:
**3:44**
